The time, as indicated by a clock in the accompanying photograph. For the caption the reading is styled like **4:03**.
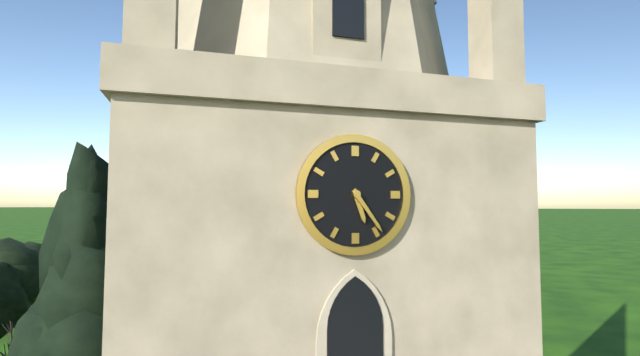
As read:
**5:24**
